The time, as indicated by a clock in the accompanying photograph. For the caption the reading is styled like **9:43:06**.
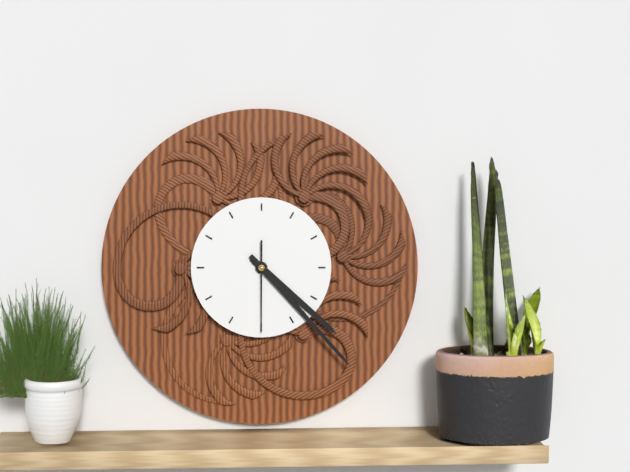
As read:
**4:23:30**
